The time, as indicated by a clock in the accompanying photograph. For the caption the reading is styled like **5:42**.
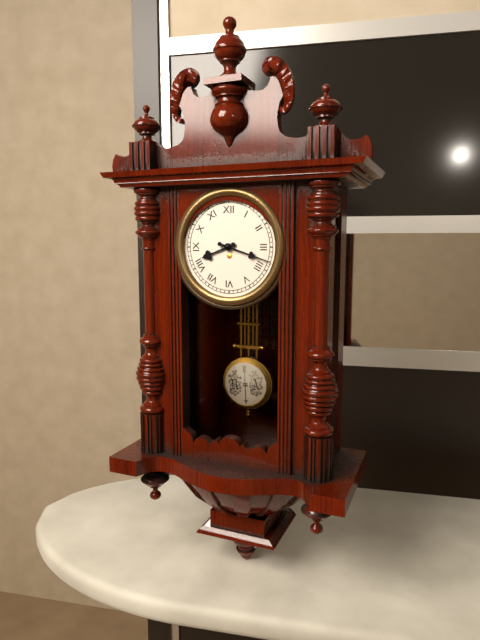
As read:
**8:18**
